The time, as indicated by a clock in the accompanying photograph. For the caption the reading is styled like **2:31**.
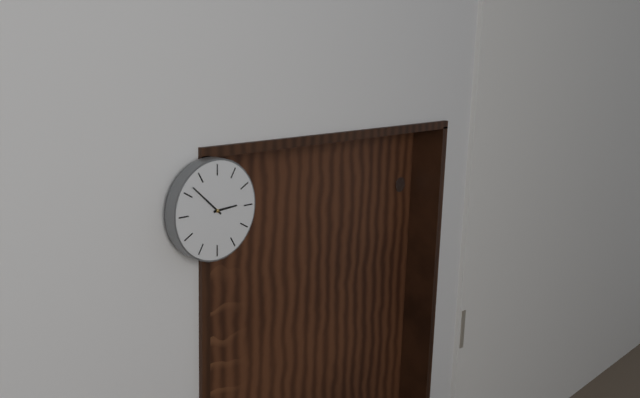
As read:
**2:52**
